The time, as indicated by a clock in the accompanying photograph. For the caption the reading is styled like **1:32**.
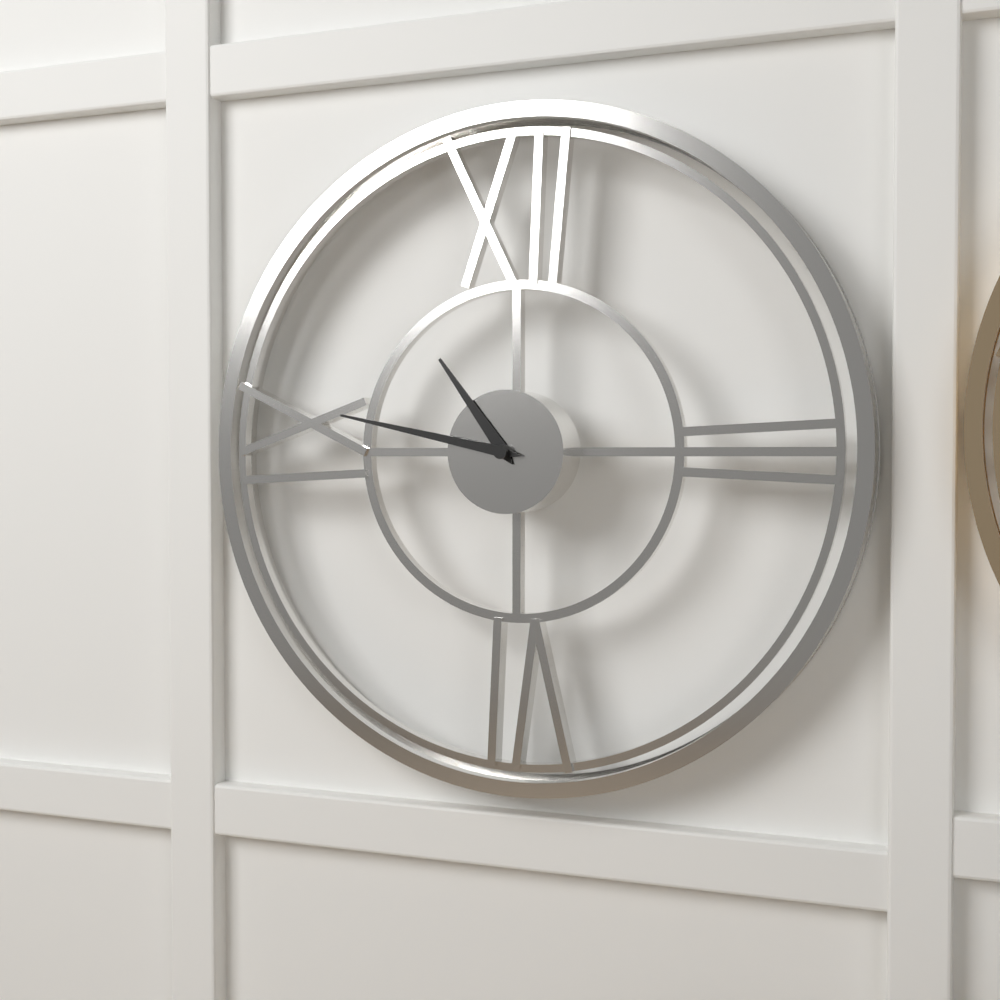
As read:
**10:47**
